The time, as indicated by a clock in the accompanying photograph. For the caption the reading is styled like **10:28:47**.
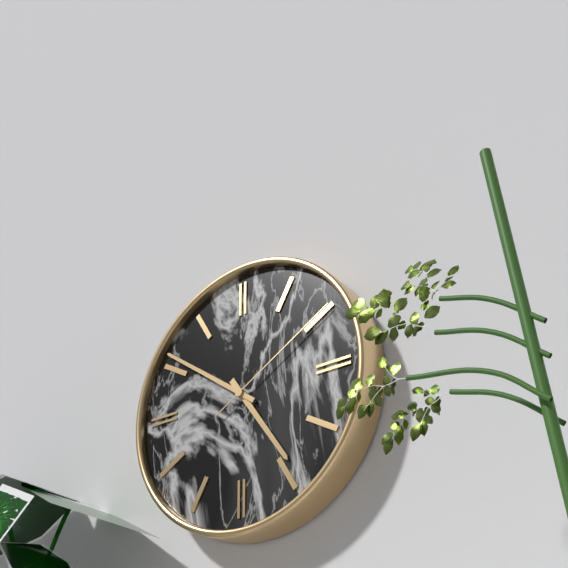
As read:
**4:51:10**
